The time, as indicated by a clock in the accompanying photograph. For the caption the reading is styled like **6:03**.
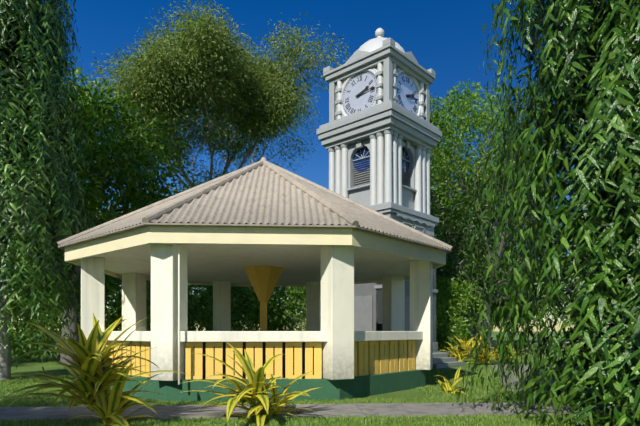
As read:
**2:14**
